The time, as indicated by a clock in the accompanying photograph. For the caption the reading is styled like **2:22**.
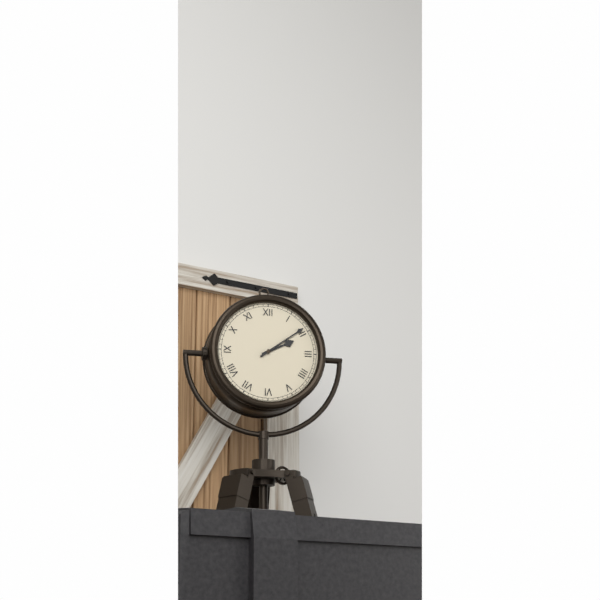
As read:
**2:09**
